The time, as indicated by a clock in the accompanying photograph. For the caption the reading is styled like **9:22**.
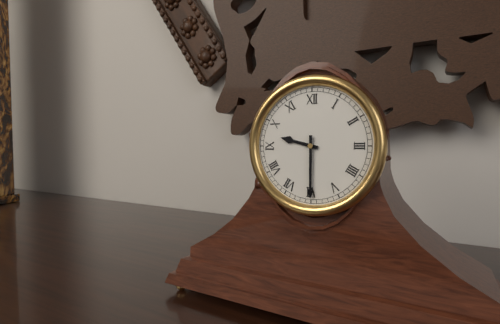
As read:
**9:30**
